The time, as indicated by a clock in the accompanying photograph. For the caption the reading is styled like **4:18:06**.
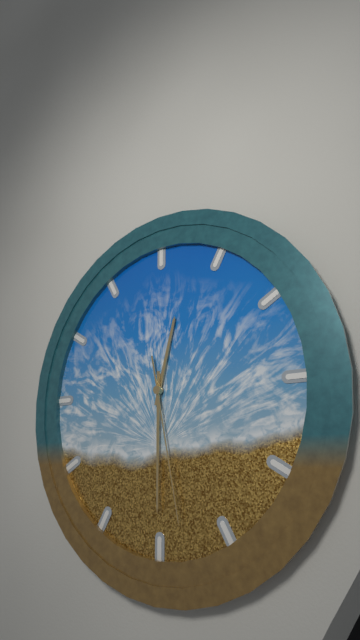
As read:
**12:30:28**
